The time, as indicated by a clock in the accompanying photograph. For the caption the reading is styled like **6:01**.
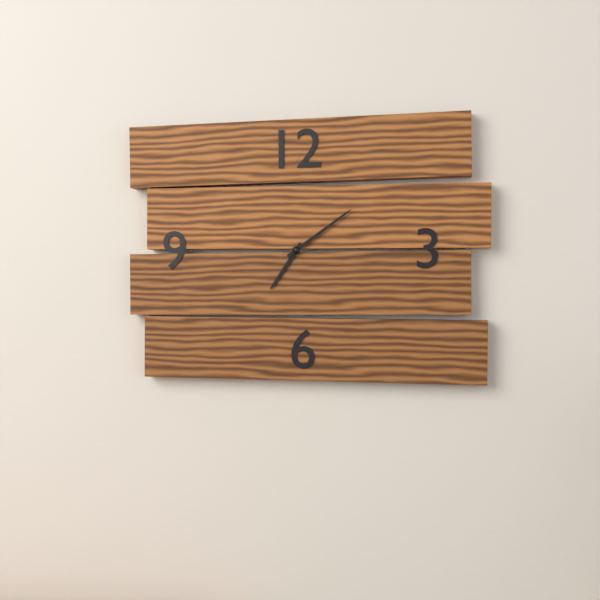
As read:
**7:09**
